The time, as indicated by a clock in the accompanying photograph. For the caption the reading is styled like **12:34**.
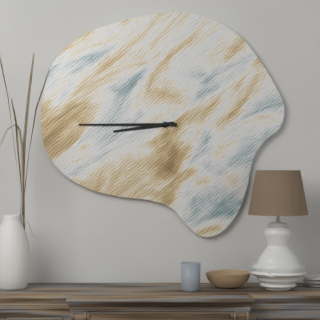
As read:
**8:45**
